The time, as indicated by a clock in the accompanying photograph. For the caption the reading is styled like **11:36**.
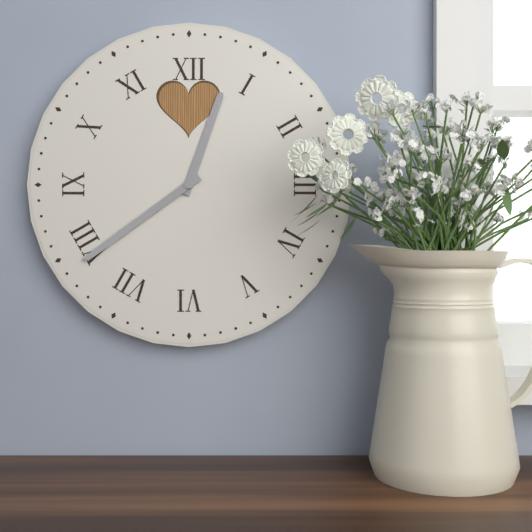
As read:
**12:39**
